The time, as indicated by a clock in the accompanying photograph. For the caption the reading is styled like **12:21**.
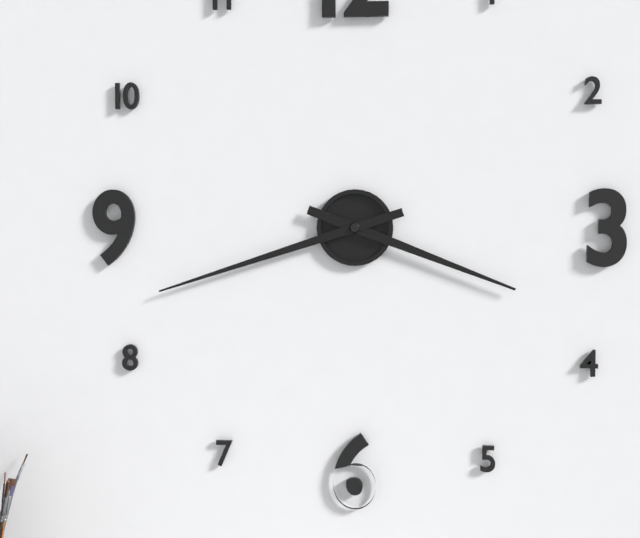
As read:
**3:42**
